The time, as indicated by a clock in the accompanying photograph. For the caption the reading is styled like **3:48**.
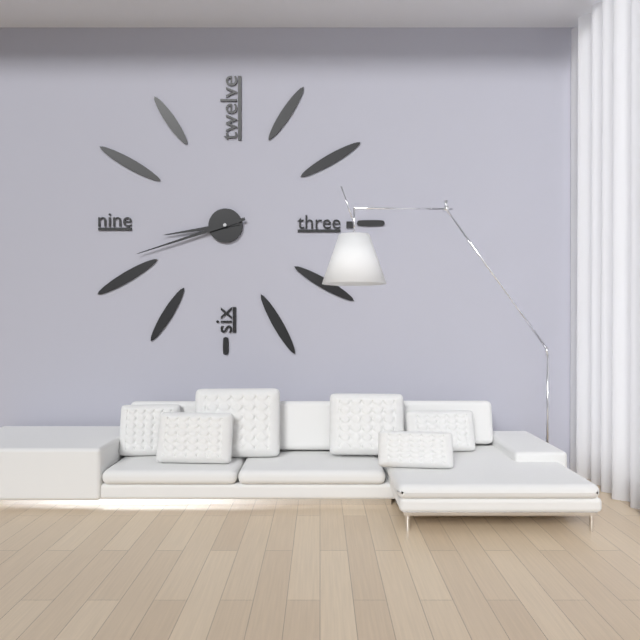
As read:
**8:42**
